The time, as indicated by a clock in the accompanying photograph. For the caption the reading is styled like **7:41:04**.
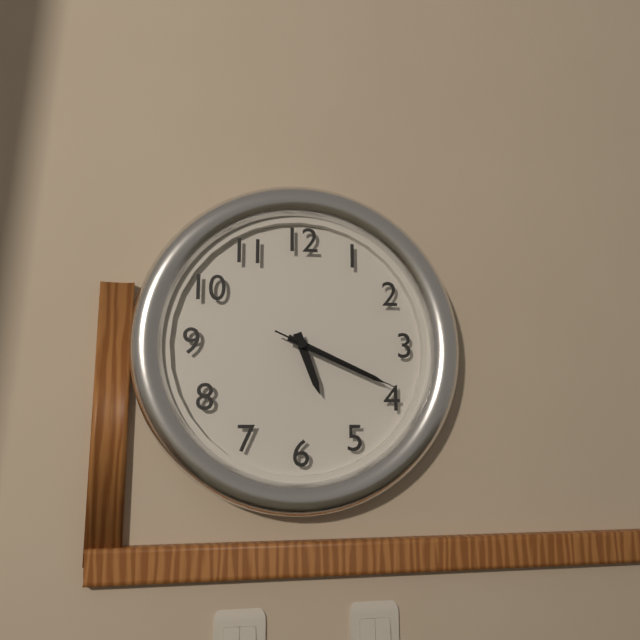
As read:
**5:19:19**
